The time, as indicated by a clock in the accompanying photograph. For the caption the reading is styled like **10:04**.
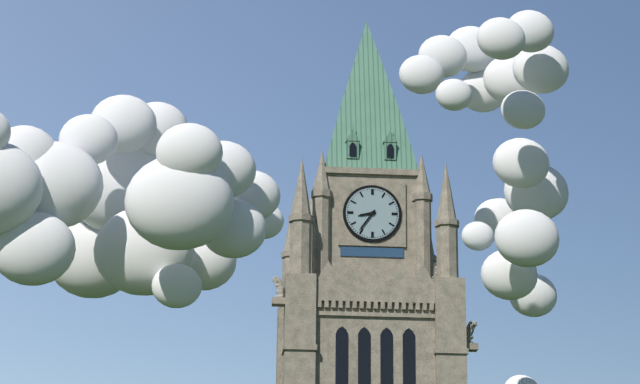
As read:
**8:36**
